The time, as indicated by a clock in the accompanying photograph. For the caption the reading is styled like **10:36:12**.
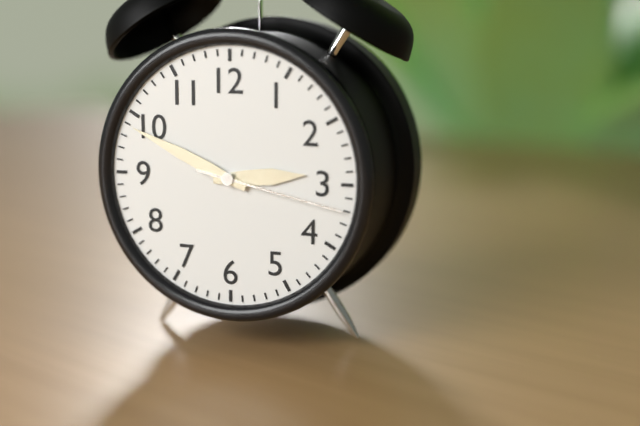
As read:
**2:49:17**
